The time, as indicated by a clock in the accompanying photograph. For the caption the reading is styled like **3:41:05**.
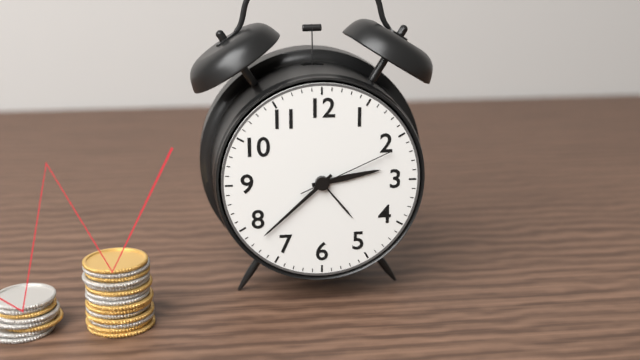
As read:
**2:38:11**
